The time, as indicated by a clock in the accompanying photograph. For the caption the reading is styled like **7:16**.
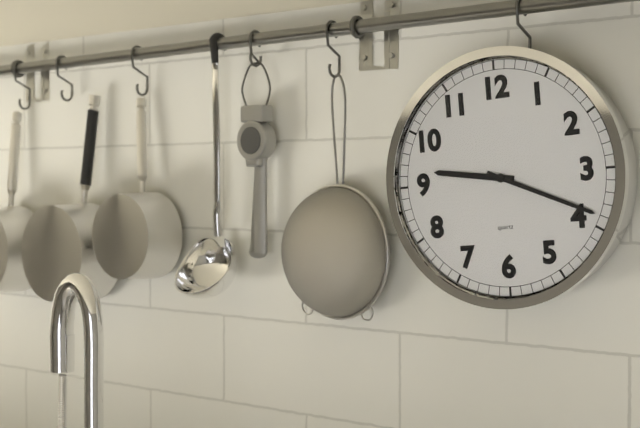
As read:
**9:19**
